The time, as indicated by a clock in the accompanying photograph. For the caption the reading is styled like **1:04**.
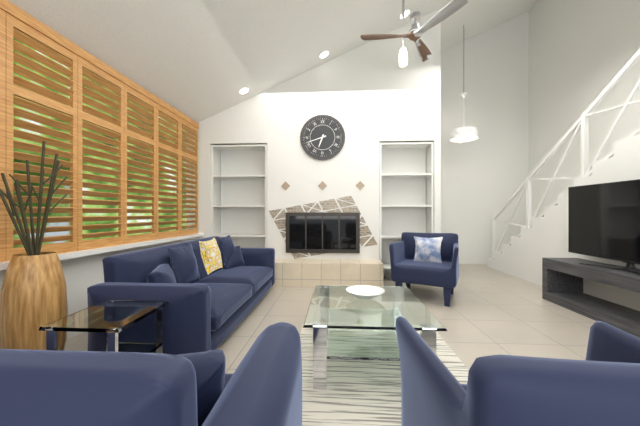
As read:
**6:42**
